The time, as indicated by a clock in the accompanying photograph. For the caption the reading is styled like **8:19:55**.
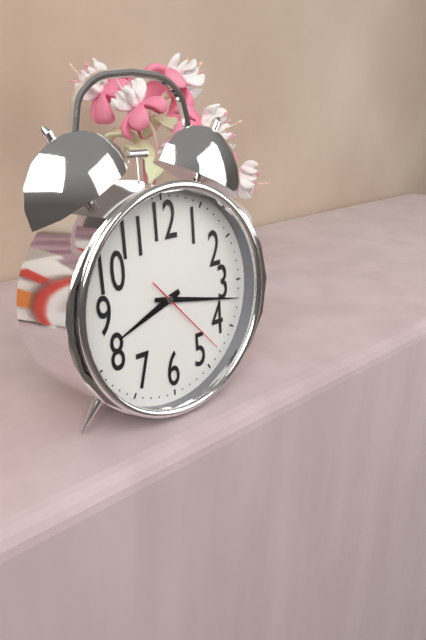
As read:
**8:17:23**
